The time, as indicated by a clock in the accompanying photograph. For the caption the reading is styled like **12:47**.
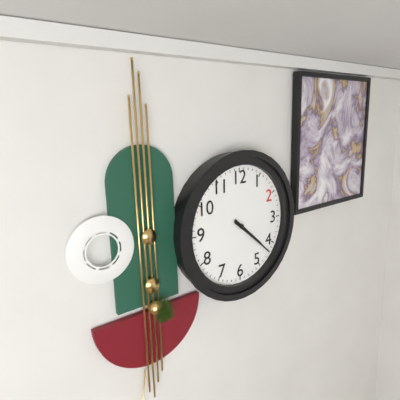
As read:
**4:22**
